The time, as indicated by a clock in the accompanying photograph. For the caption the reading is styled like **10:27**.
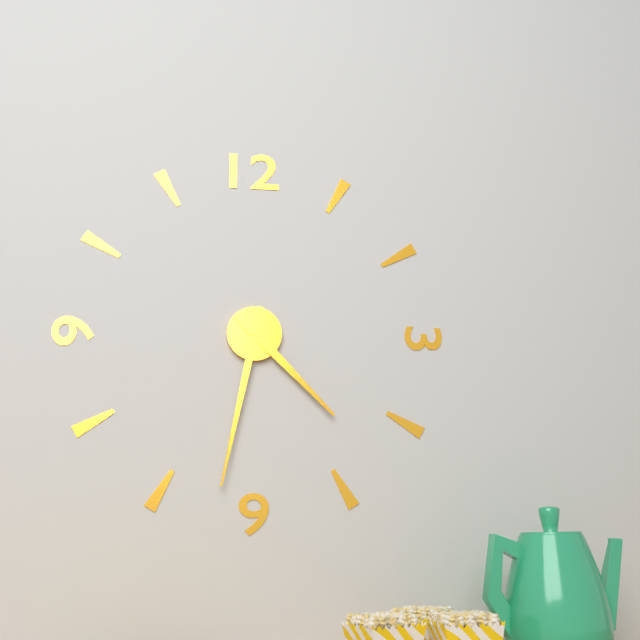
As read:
**4:32**
